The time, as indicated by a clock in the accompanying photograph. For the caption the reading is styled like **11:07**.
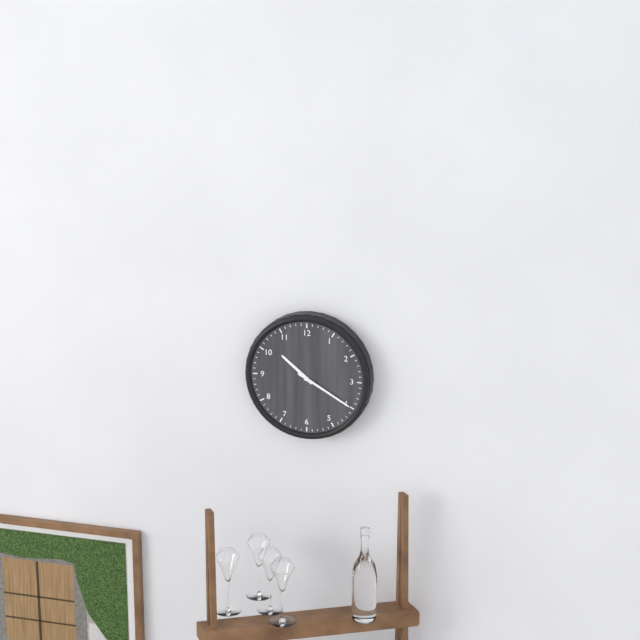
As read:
**10:20**
